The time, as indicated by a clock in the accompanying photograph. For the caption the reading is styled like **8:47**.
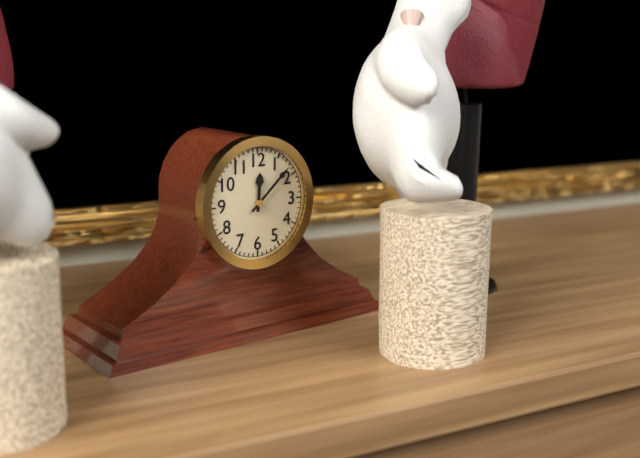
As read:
**12:08**
